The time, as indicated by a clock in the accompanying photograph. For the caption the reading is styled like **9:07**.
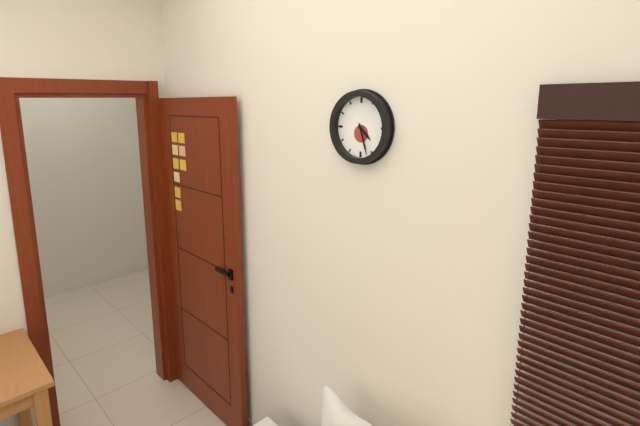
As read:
**4:27**
